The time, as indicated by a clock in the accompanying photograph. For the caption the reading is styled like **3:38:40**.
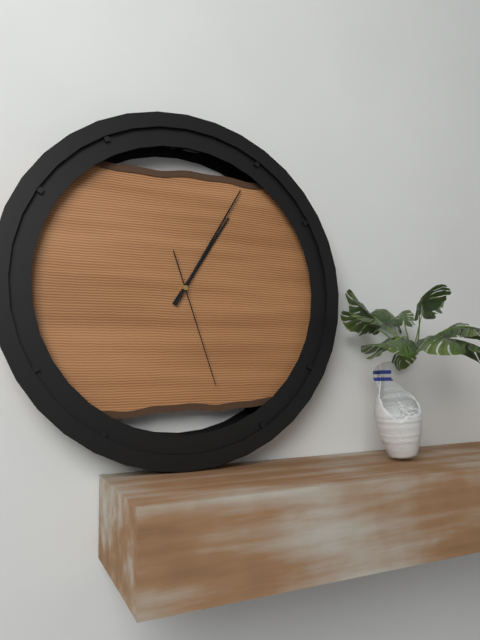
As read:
**1:05:27**
